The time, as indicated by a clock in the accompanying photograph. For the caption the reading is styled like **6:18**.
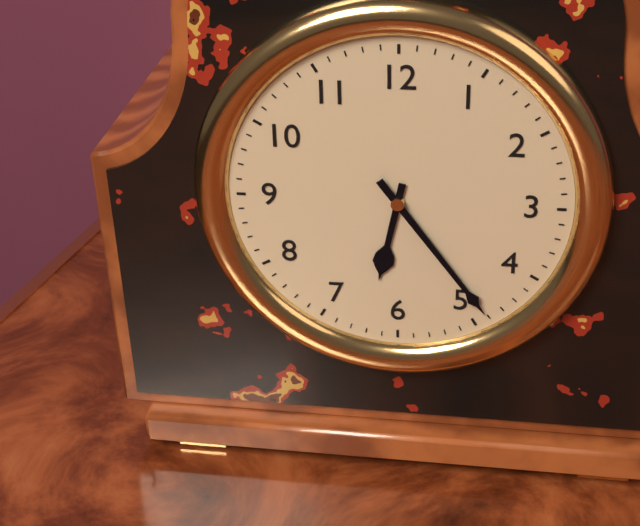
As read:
**6:24**
